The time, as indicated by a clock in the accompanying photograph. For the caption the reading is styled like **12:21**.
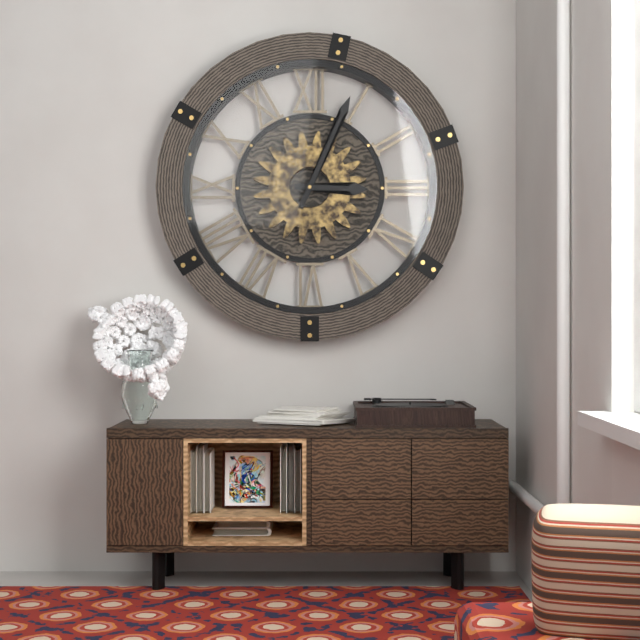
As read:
**3:04**
